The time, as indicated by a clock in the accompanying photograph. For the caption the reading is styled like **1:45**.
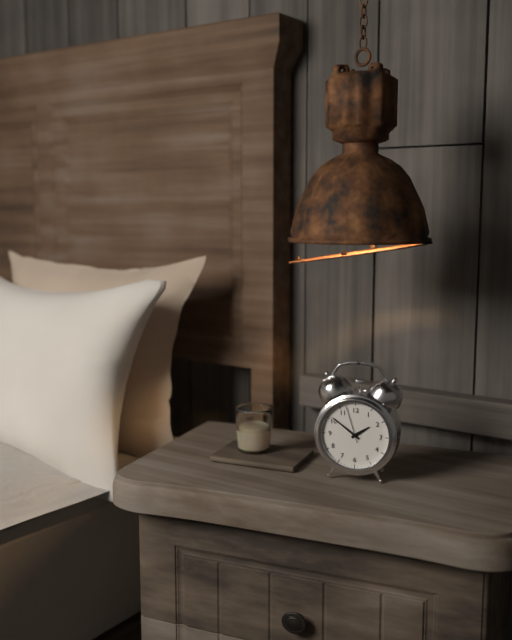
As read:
**1:51**
